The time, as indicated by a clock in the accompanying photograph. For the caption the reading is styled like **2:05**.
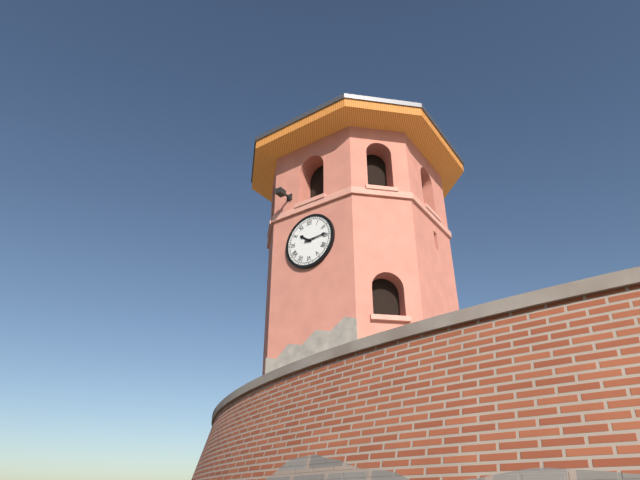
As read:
**10:14**
